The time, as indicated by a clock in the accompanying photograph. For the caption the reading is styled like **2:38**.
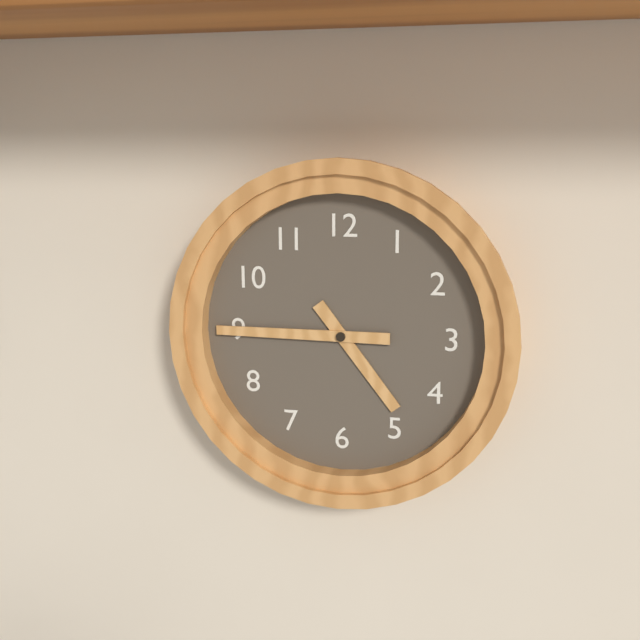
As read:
**4:45**
